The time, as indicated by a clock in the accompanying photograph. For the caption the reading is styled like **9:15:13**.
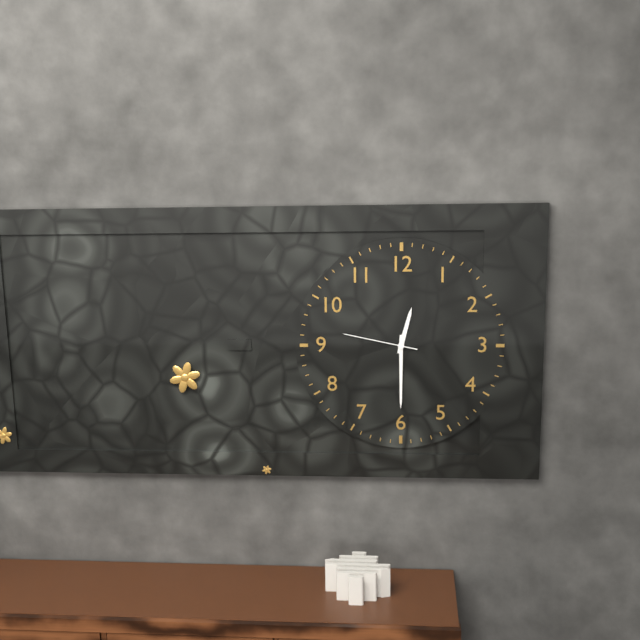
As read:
**12:30:47**
